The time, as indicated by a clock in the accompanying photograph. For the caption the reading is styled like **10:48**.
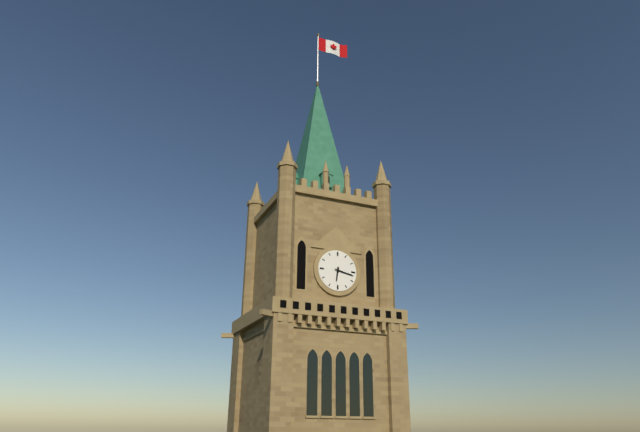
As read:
**6:17**
